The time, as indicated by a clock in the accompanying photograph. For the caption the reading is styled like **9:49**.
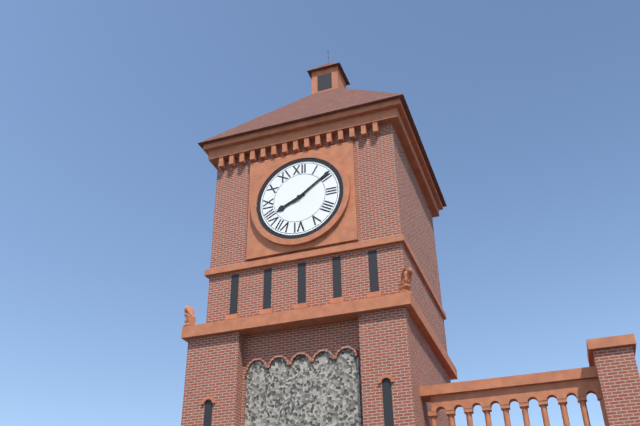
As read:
**8:09**
